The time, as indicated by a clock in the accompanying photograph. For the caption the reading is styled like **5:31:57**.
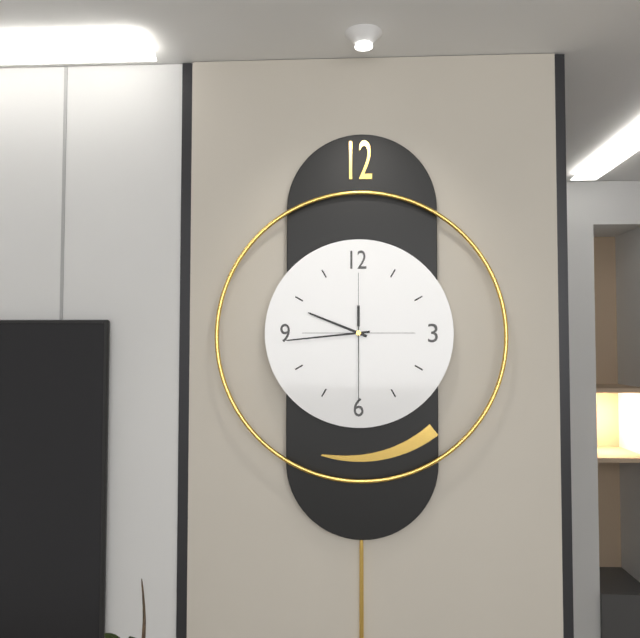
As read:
**9:44:30**
